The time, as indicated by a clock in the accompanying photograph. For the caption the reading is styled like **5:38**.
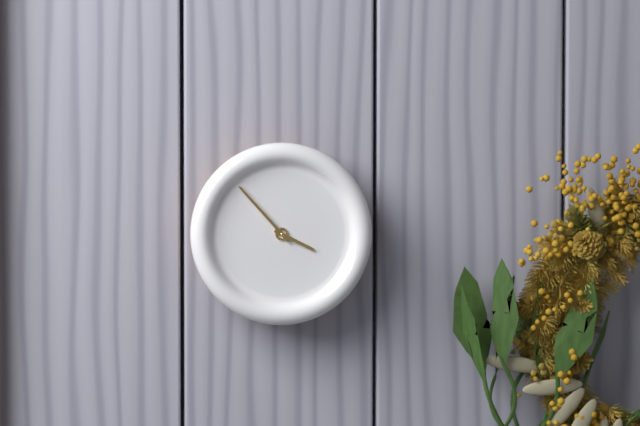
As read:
**3:53**
